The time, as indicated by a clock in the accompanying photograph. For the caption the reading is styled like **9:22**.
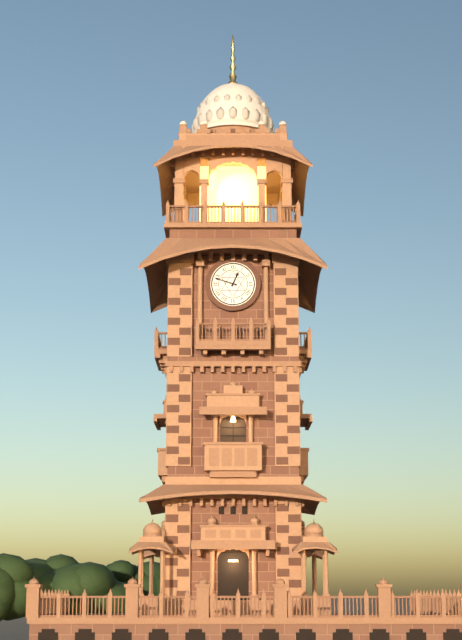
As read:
**12:48**
